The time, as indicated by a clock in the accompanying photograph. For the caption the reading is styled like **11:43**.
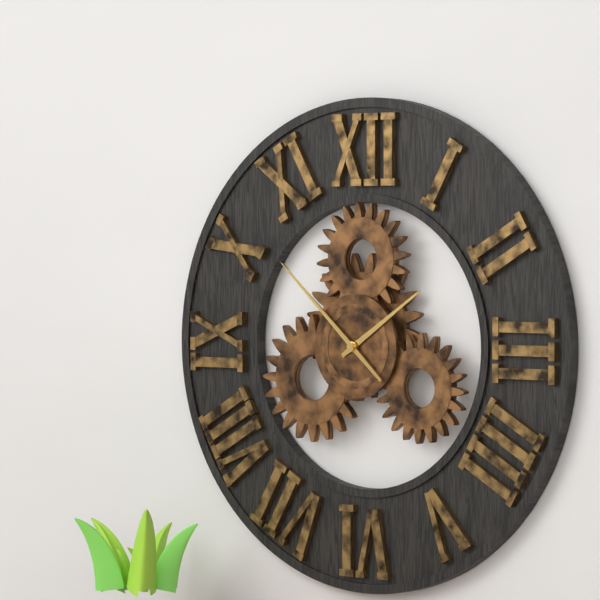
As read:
**1:52**
